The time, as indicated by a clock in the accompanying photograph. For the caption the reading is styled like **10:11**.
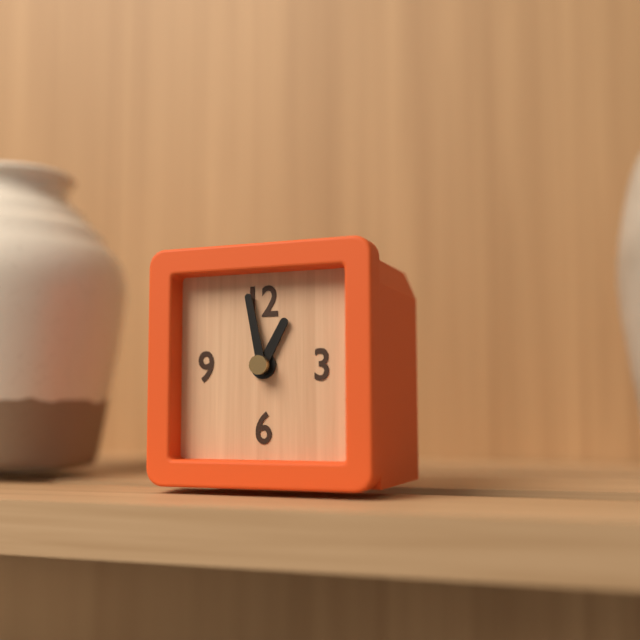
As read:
**12:58**
